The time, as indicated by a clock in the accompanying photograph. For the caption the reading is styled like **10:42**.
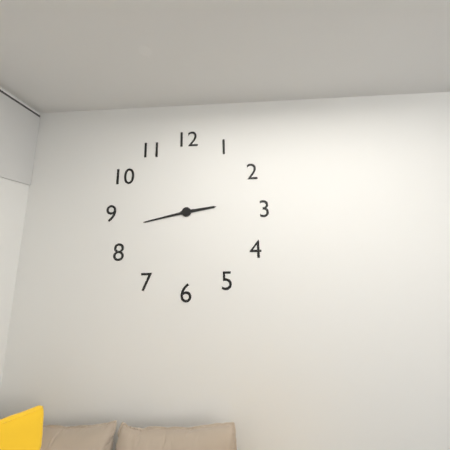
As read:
**2:43**
